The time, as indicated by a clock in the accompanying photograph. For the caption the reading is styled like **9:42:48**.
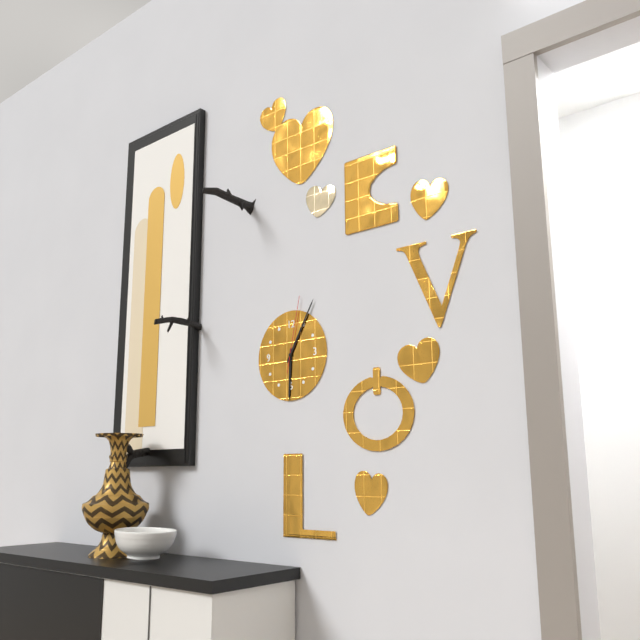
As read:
**6:05:02**
